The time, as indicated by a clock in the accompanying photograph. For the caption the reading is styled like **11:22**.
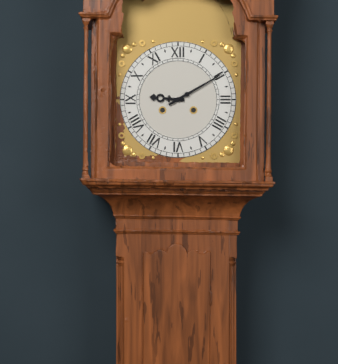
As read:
**9:10**
